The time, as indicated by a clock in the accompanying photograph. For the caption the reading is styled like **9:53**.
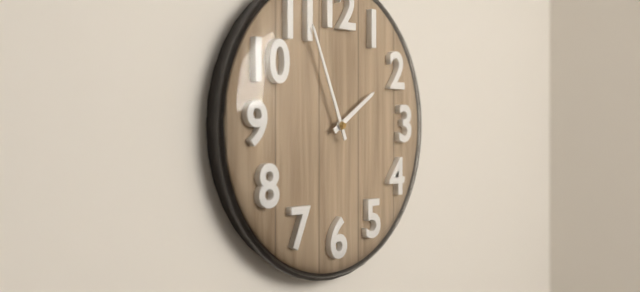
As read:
**1:56**
